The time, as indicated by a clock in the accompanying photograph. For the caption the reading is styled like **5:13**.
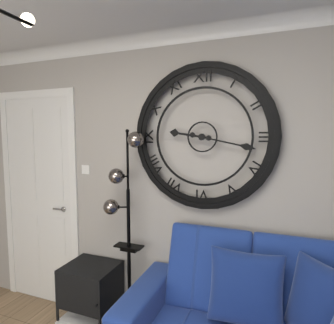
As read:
**9:17**
